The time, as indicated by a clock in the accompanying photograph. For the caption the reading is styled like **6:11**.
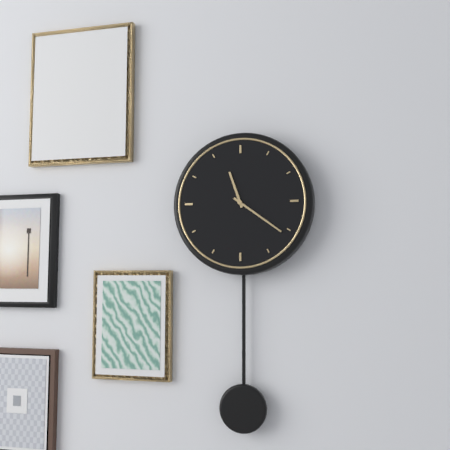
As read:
**11:21**
